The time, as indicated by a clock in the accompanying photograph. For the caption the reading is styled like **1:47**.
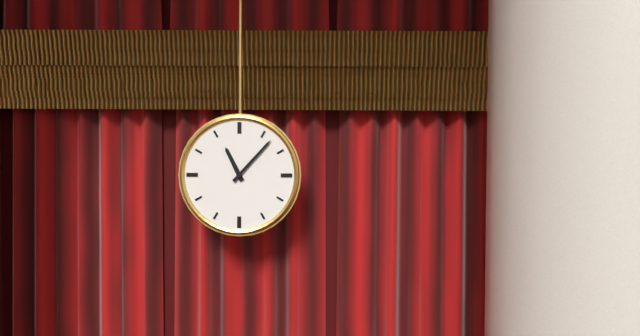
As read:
**11:07**
